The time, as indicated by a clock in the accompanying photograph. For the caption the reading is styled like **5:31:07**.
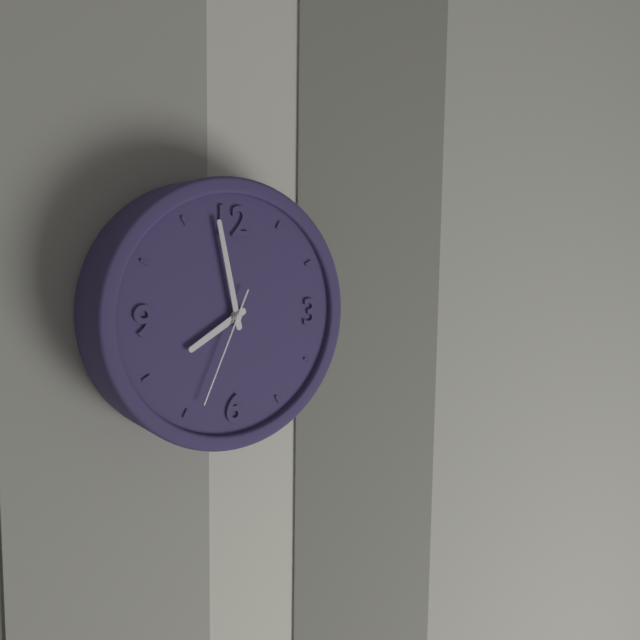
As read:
**7:58:34**
